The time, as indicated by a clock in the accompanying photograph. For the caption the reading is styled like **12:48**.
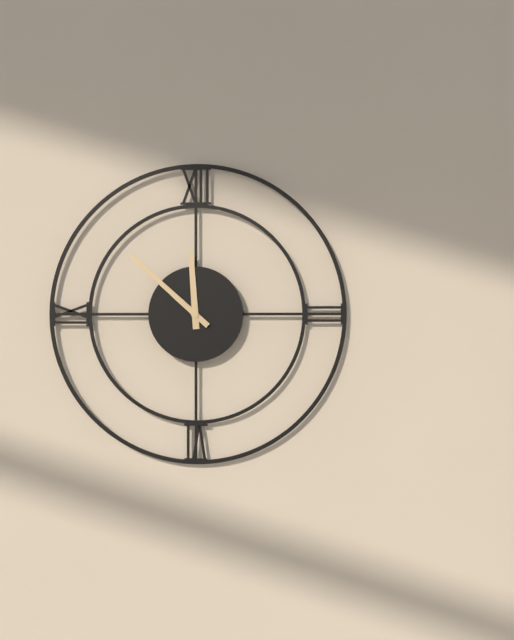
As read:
**11:52**
